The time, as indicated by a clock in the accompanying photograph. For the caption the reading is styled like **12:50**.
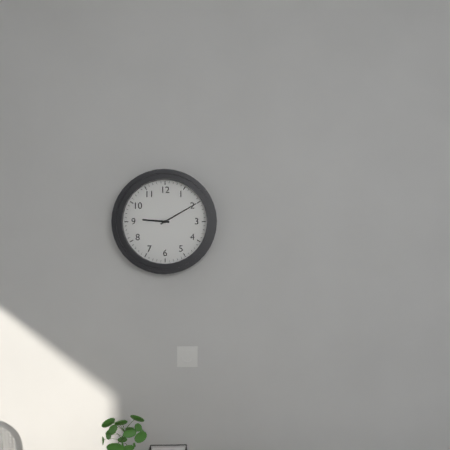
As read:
**9:10**
